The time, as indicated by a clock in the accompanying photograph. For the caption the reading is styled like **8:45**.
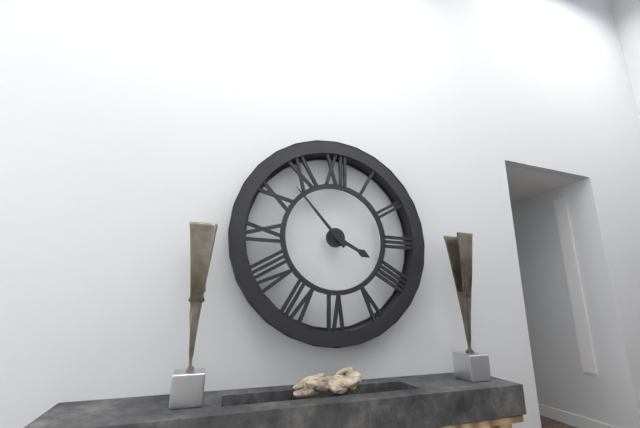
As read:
**3:53**
